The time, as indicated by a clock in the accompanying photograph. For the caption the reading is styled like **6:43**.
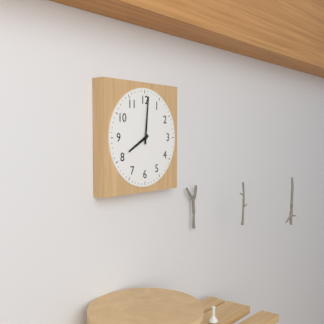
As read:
**8:01**
